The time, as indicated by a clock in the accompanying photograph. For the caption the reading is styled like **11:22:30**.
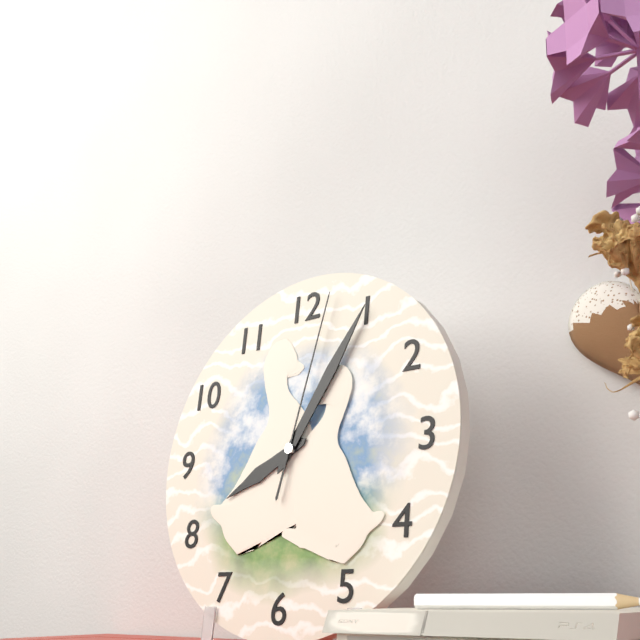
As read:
**8:05:02**
